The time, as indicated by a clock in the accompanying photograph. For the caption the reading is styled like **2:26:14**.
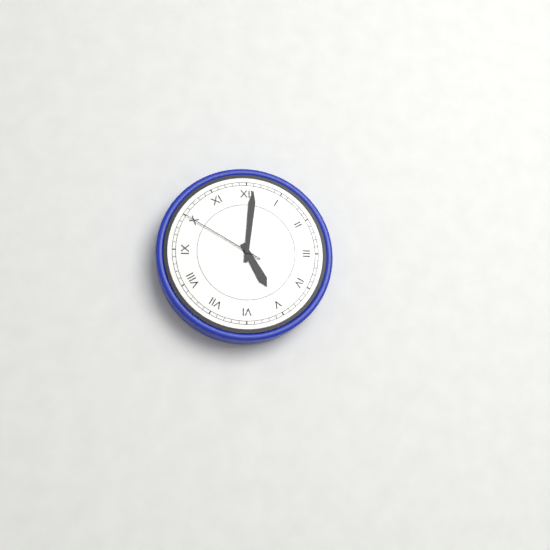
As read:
**5:01:50**
